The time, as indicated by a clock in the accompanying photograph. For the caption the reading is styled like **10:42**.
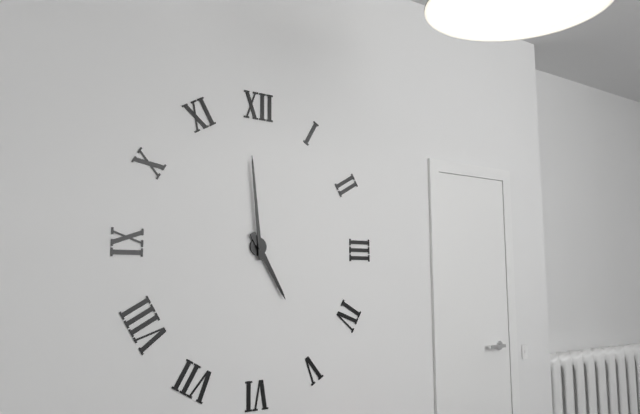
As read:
**4:59**
